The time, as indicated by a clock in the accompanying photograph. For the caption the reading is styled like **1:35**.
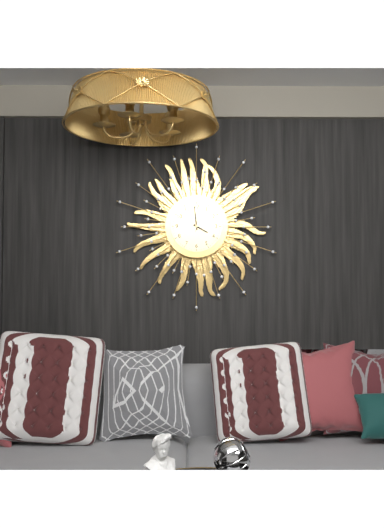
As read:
**3:59**
